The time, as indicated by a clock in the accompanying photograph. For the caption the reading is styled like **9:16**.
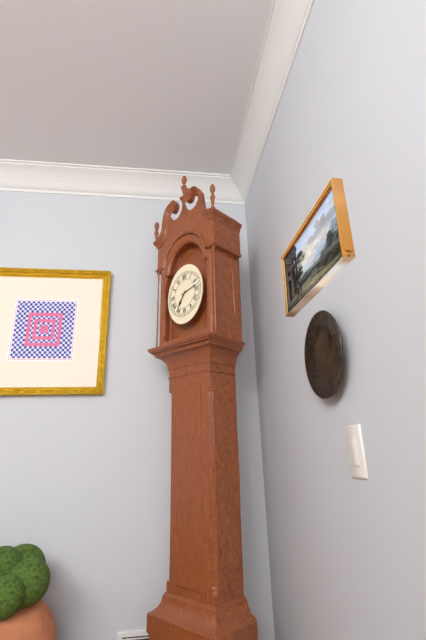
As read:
**7:13**
